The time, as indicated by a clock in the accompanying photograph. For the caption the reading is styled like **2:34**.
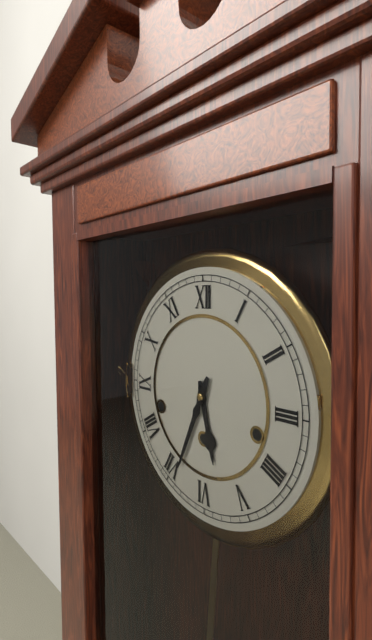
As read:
**5:34**
